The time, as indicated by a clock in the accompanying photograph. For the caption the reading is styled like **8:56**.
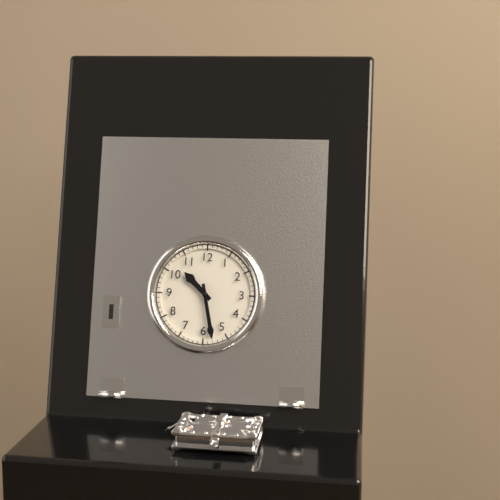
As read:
**10:28**
